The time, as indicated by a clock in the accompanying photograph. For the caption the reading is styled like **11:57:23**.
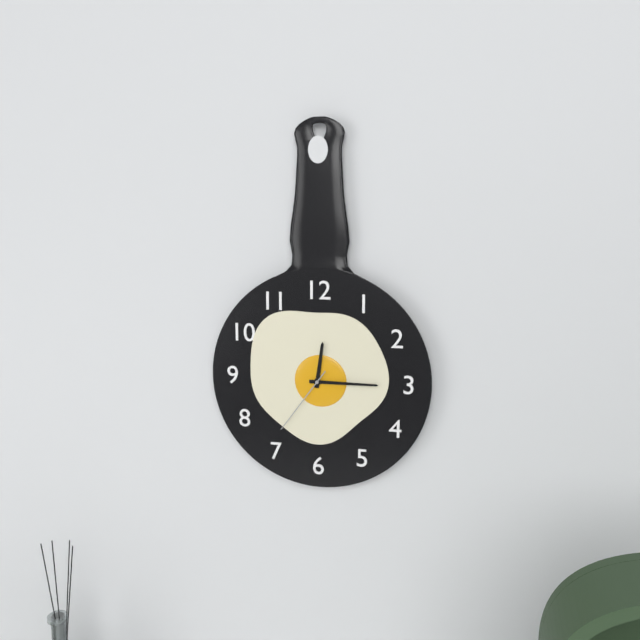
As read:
**12:15:36**
